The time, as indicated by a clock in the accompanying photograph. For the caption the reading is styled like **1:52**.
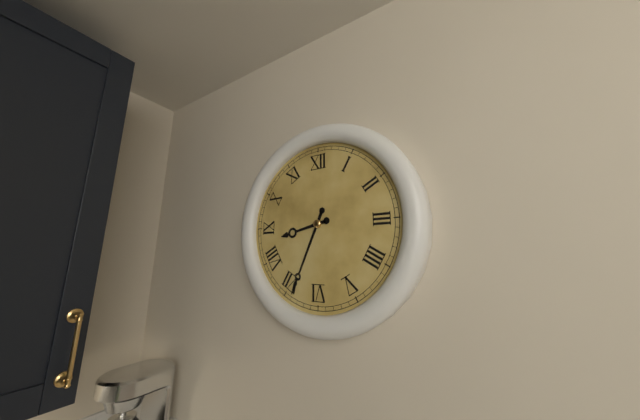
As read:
**8:34**
